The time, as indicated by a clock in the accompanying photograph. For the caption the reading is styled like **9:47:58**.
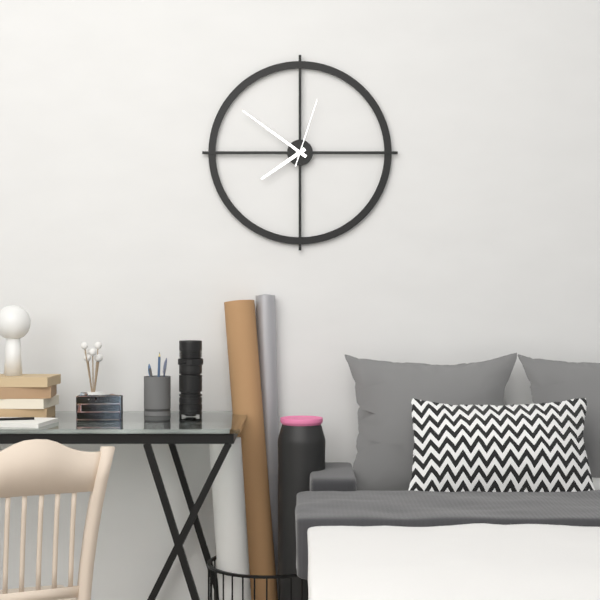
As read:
**7:51:03**
